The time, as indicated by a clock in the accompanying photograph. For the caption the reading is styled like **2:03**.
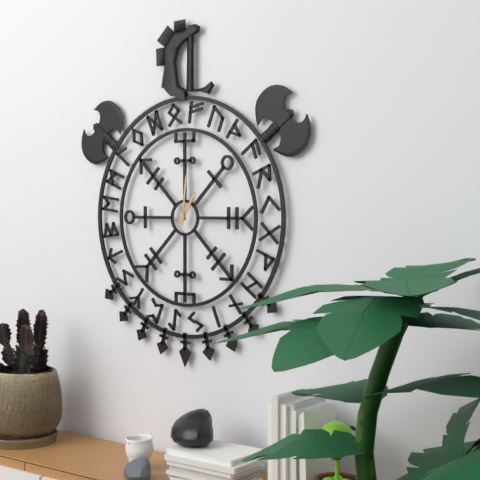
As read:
**1:01**
